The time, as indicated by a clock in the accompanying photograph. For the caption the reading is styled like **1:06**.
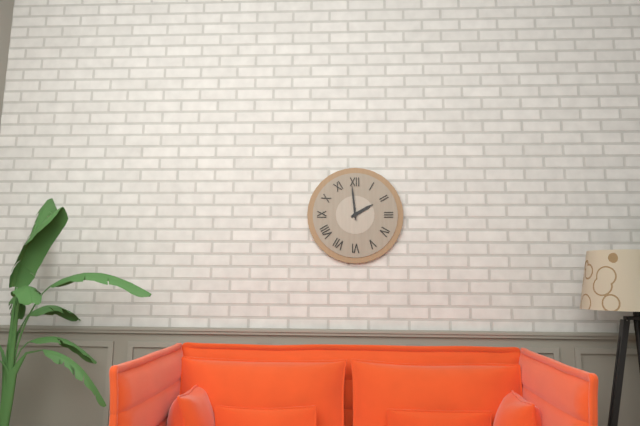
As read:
**1:59**
